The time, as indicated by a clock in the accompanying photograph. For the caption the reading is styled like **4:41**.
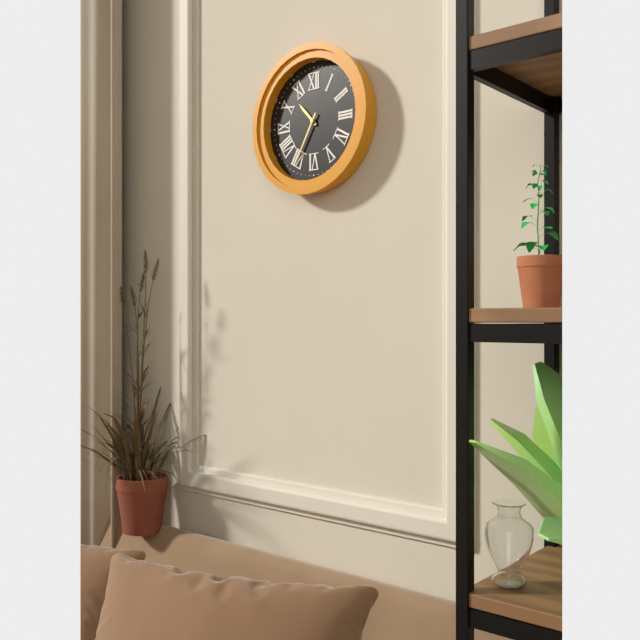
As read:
**10:35**
